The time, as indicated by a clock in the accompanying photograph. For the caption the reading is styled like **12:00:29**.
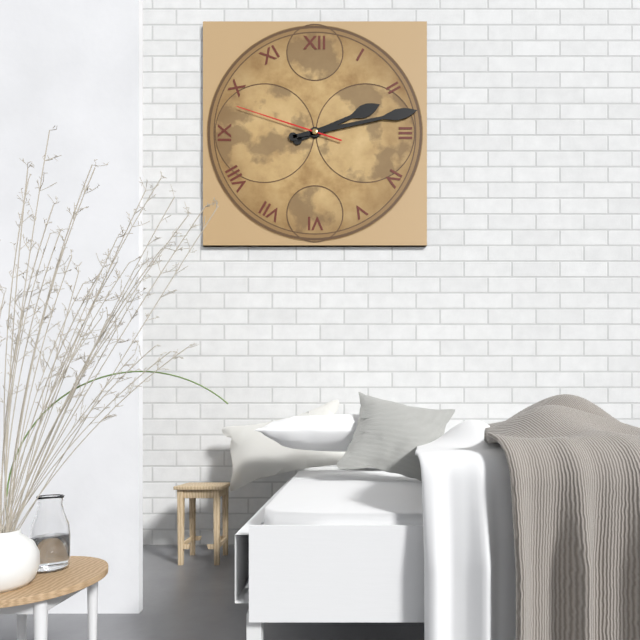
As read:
**2:13:48**
